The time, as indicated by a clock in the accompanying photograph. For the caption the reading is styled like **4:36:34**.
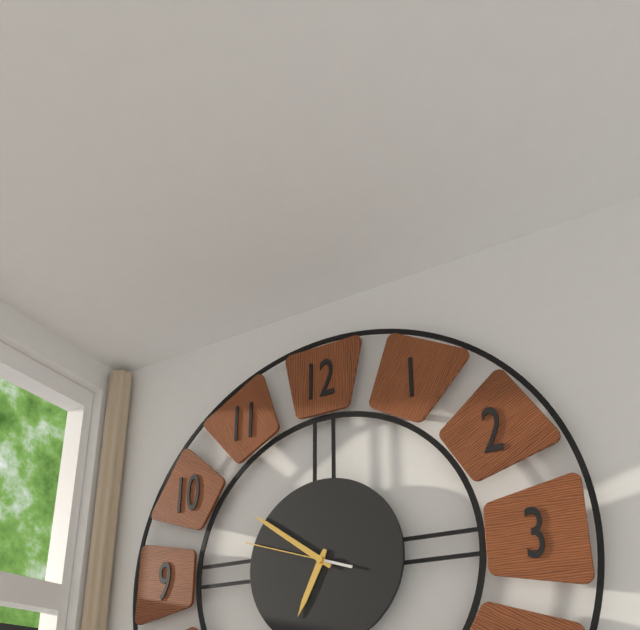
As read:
**6:51:48**
